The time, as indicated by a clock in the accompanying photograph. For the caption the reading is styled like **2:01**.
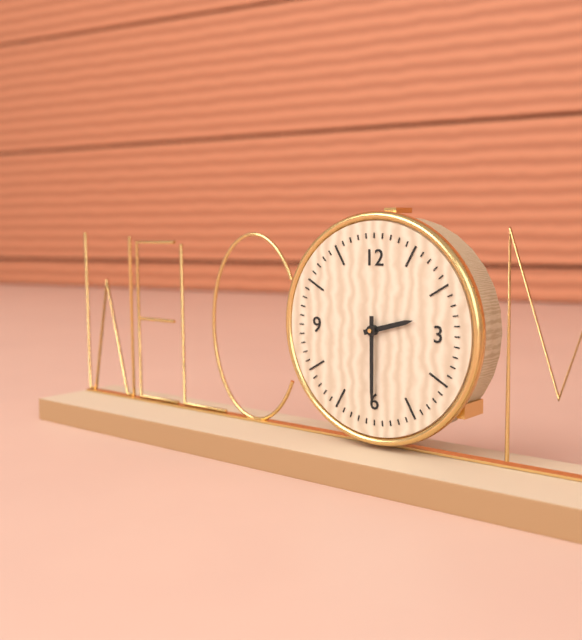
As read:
**2:30**
